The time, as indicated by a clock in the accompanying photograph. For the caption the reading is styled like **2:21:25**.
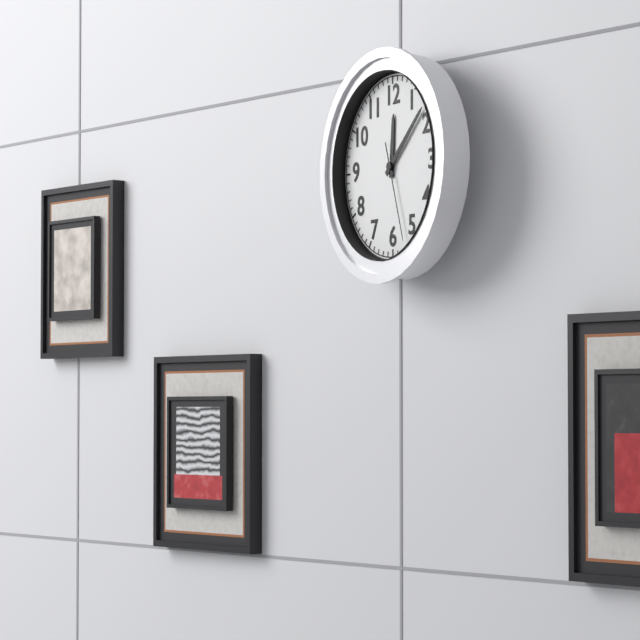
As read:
**12:08:27**
